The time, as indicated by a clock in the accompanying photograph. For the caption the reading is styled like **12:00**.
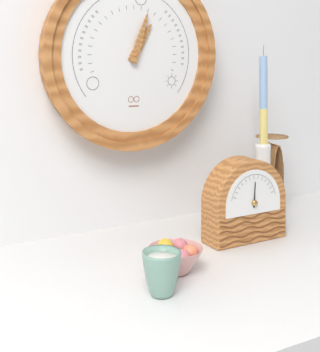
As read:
**1:03**
